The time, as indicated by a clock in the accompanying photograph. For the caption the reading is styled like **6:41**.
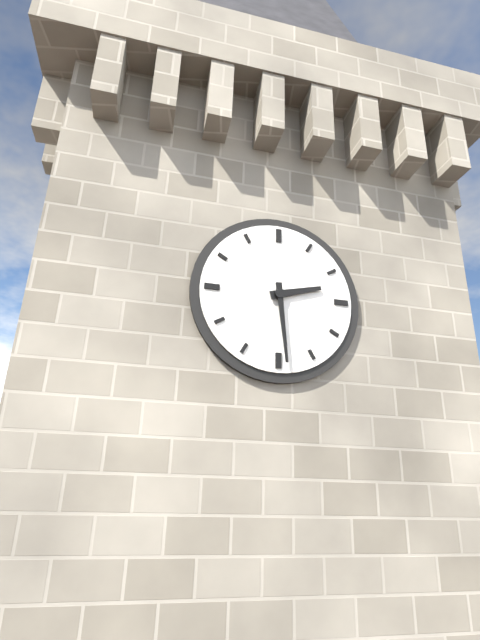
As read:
**2:29**
